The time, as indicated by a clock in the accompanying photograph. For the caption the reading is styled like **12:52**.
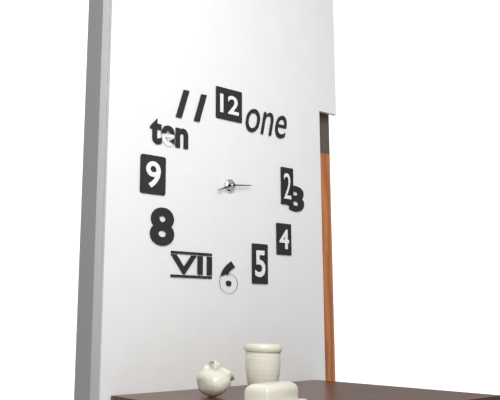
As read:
**8:14**
